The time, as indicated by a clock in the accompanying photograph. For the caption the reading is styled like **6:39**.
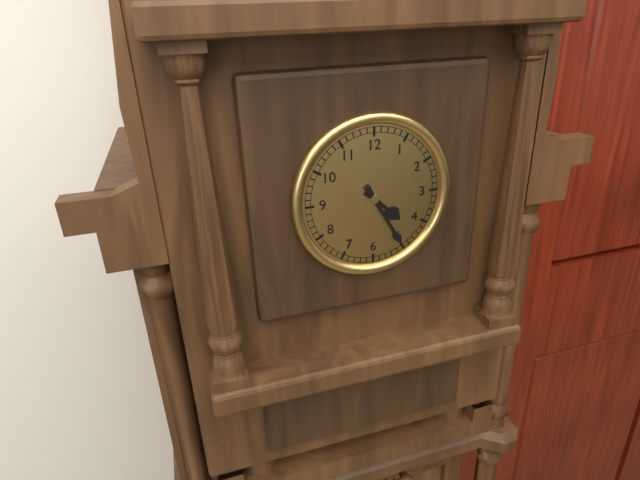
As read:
**4:25**
